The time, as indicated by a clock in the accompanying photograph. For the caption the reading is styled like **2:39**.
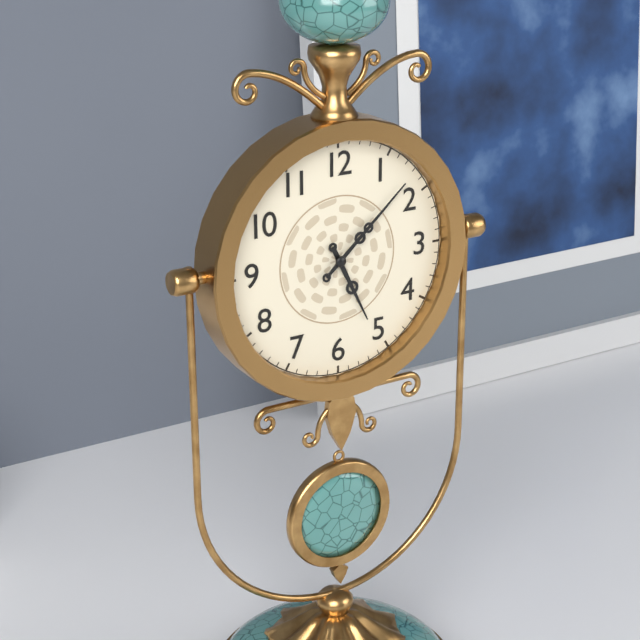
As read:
**5:08**
